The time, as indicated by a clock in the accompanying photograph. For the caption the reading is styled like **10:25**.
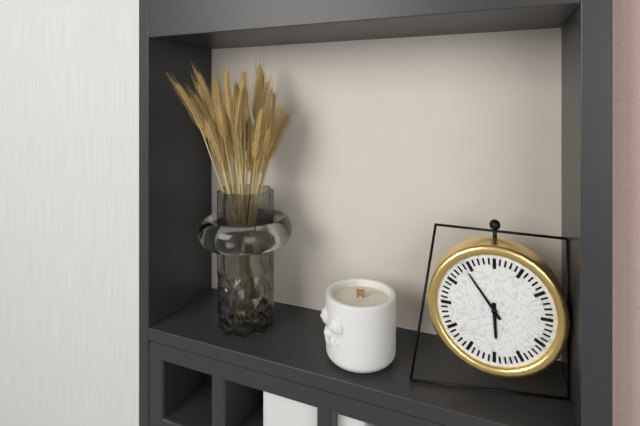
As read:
**5:54**
